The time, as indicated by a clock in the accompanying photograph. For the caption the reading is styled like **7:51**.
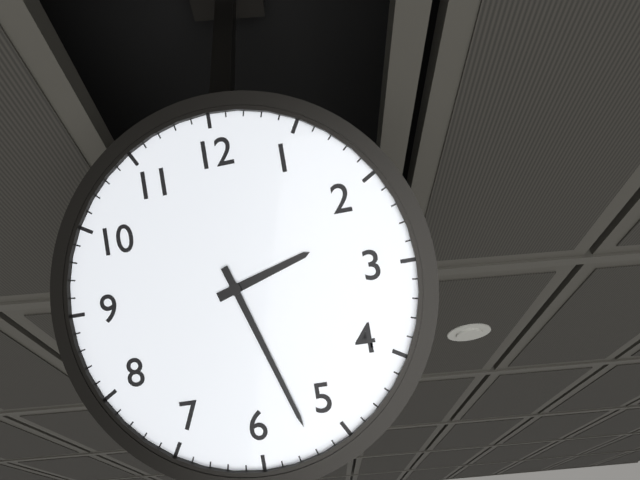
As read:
**2:27**
